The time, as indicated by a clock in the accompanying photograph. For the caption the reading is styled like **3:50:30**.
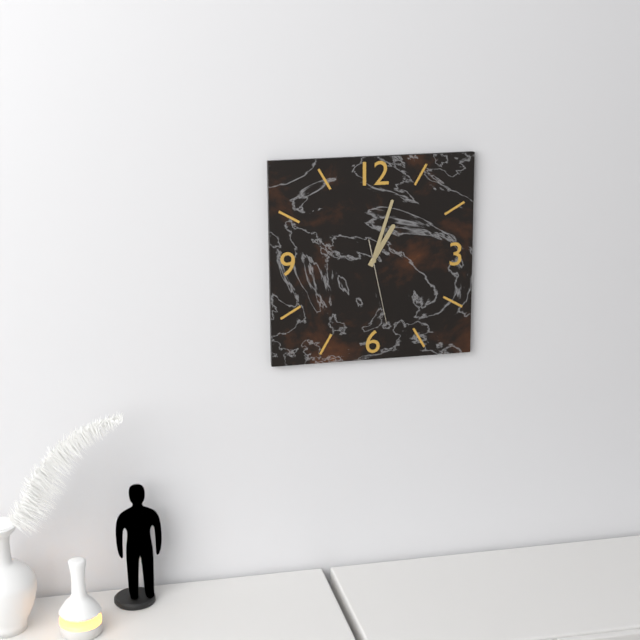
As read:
**1:03:28**
